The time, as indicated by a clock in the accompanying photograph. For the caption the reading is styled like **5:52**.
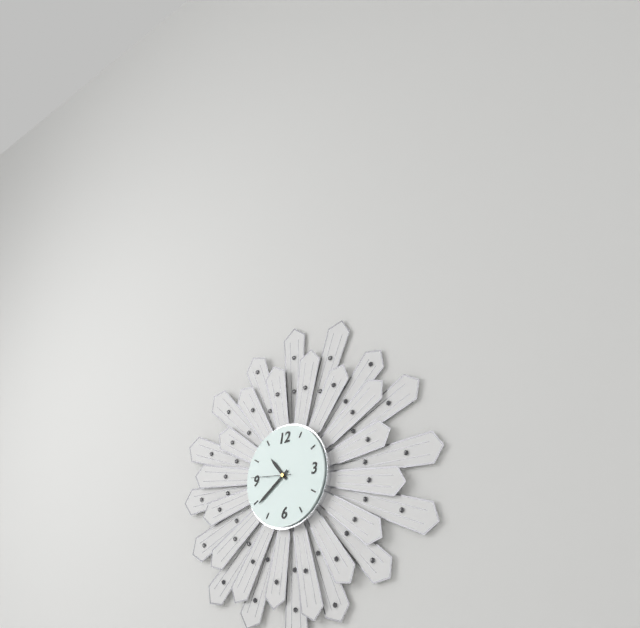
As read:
**10:39**
